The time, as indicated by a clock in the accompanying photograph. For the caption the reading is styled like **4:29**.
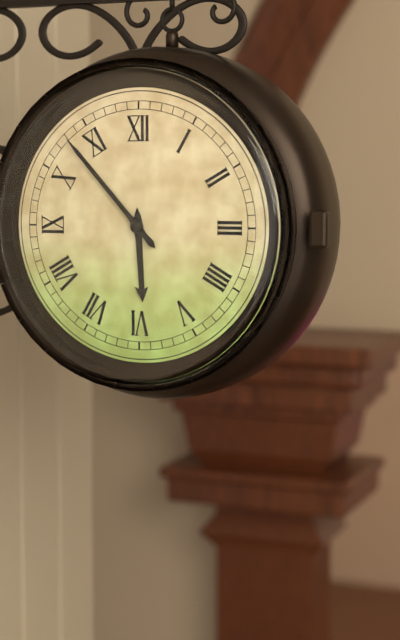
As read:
**5:53**
